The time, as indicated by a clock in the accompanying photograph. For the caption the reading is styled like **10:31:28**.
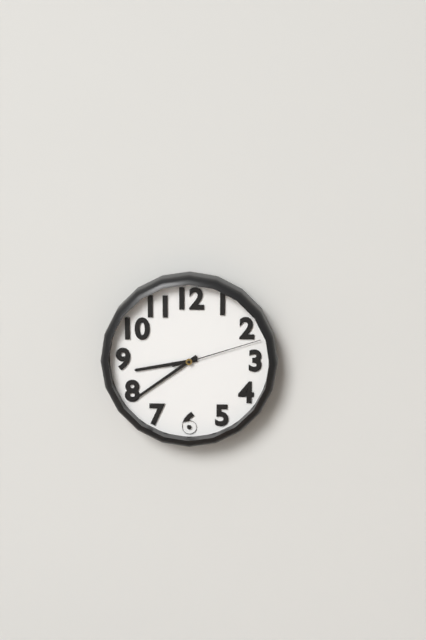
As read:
**8:39:12**
